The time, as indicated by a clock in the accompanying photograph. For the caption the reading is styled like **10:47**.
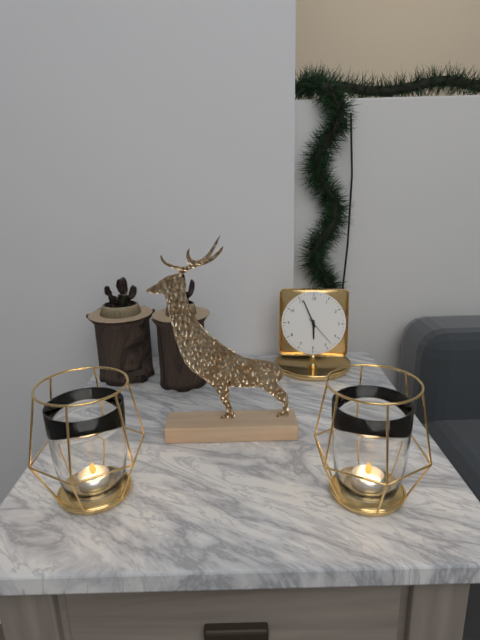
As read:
**5:56**
